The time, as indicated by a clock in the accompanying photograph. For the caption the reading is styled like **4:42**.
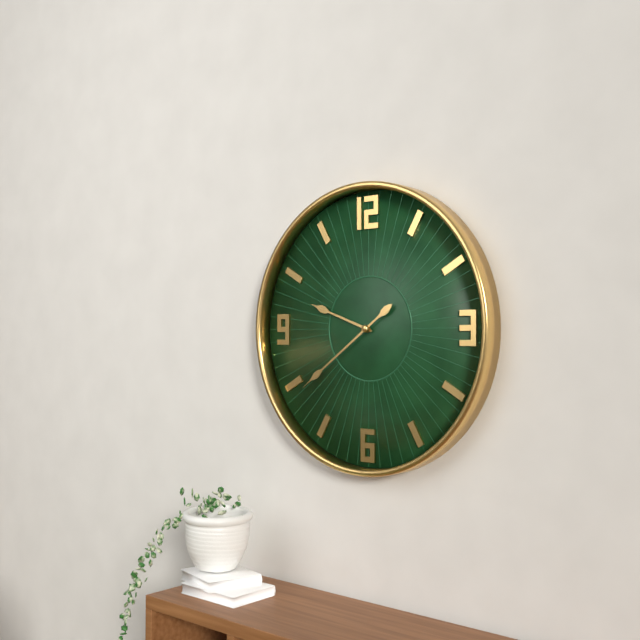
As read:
**9:39**
